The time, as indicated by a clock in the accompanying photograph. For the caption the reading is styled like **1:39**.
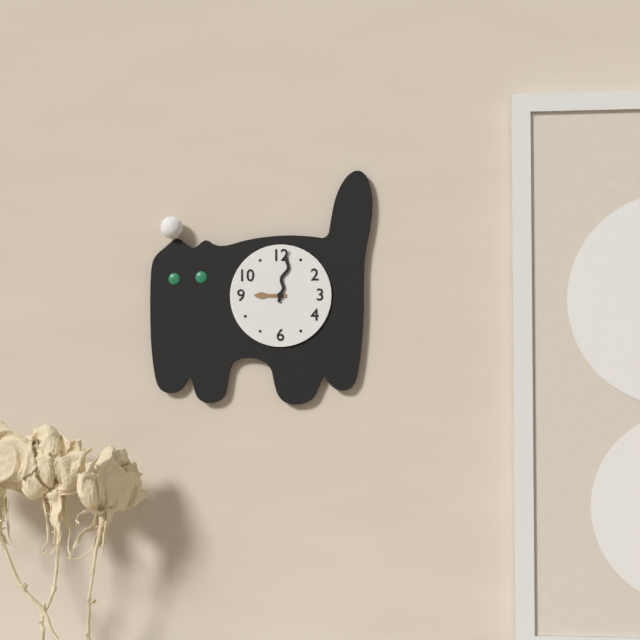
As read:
**9:02**
